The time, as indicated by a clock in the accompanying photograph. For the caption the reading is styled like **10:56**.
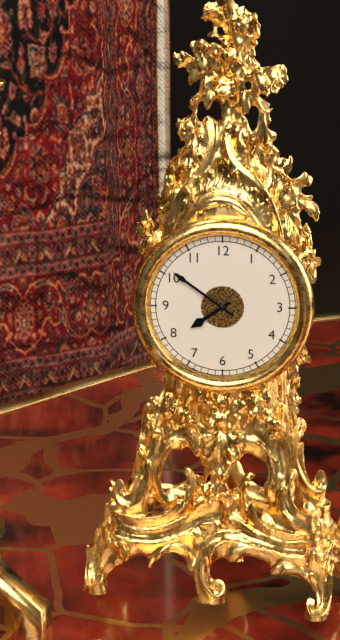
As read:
**7:51**
